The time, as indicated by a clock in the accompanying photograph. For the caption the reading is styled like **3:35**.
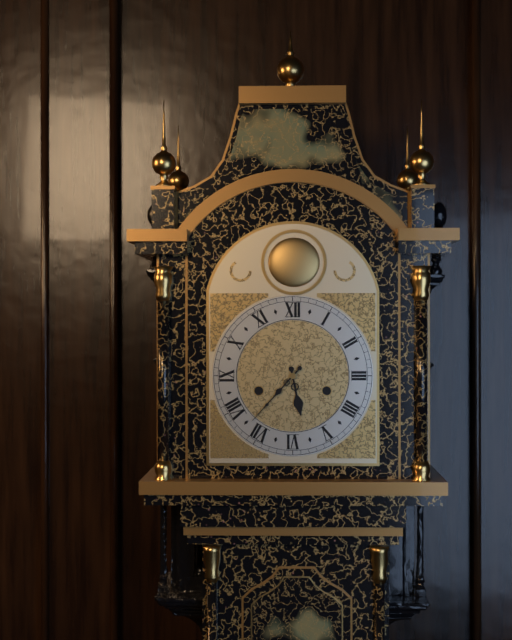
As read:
**5:37**
